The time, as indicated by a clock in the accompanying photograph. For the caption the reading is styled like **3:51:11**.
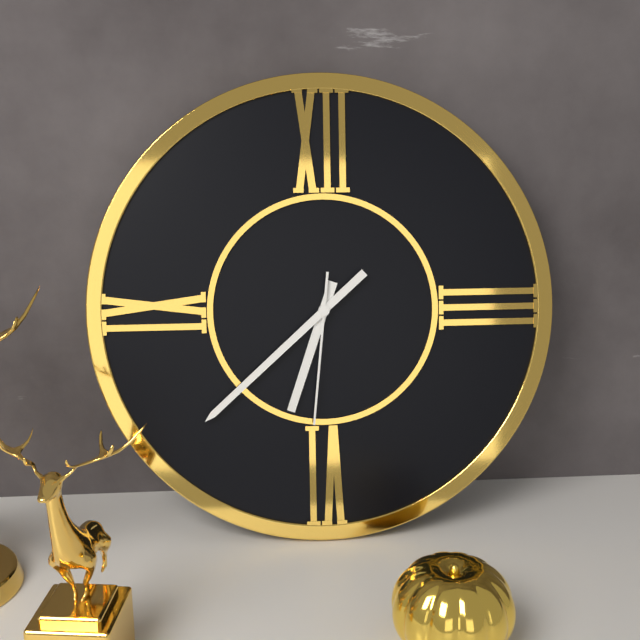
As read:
**6:38:31**
